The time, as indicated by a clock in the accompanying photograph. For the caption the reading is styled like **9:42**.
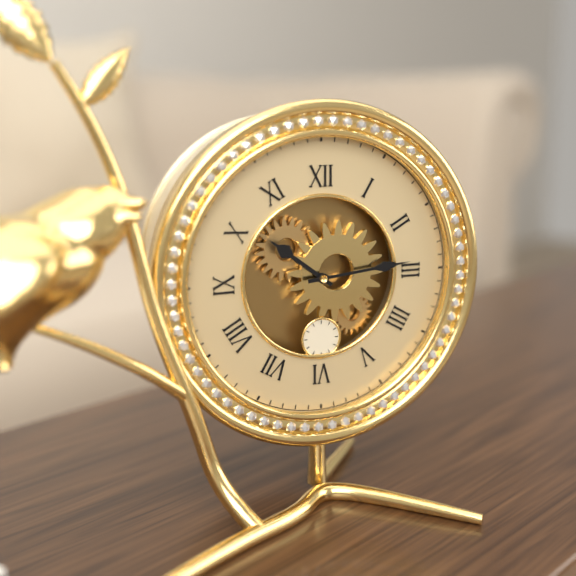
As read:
**10:14**
